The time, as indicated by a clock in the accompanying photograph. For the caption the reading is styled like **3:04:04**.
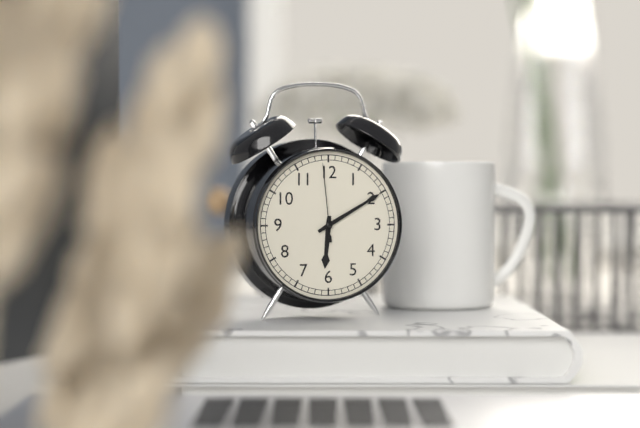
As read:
**6:10:59**
